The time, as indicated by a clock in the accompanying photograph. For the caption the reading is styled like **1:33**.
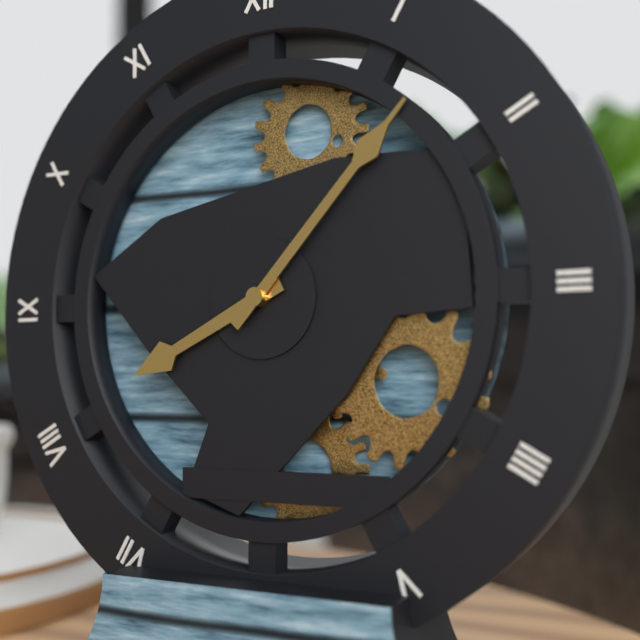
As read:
**8:07**
